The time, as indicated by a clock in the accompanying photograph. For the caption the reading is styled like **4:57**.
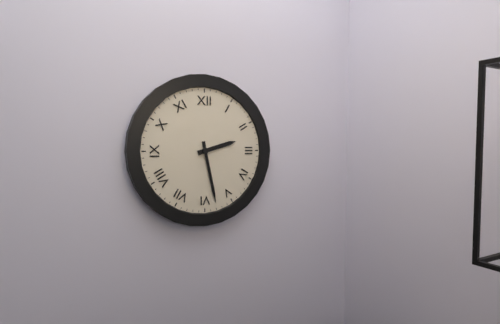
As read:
**2:28**
